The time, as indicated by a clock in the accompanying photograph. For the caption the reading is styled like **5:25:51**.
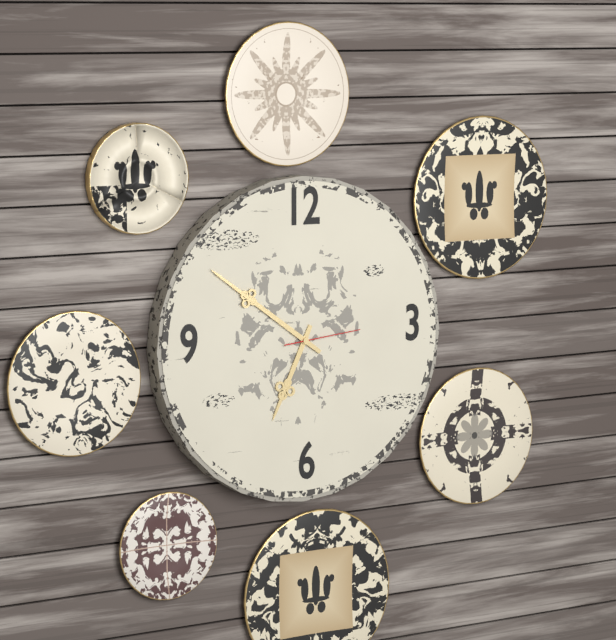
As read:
**6:51:14**
